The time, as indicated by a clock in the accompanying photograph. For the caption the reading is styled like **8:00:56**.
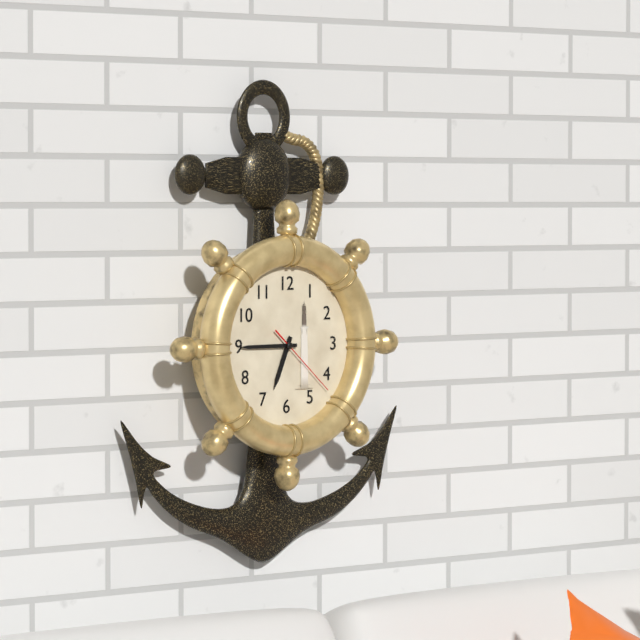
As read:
**6:45:22**
